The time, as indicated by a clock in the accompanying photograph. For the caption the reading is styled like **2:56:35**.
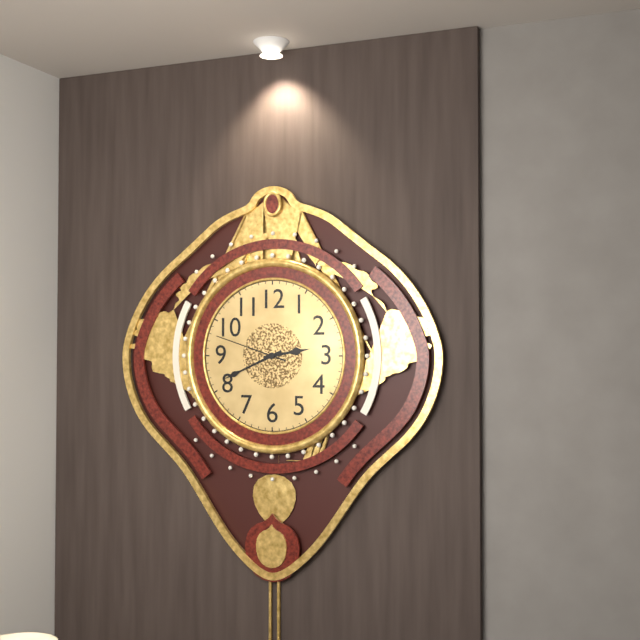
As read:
**2:41:48**
